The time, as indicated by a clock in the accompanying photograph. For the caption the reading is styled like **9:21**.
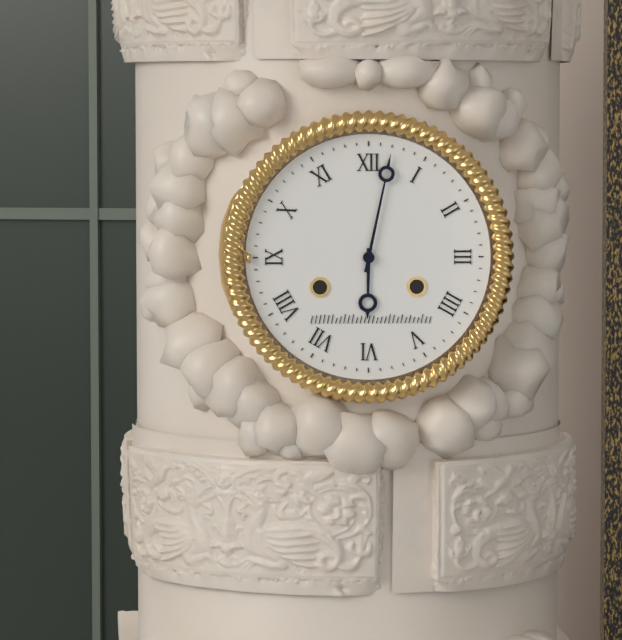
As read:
**6:02**
